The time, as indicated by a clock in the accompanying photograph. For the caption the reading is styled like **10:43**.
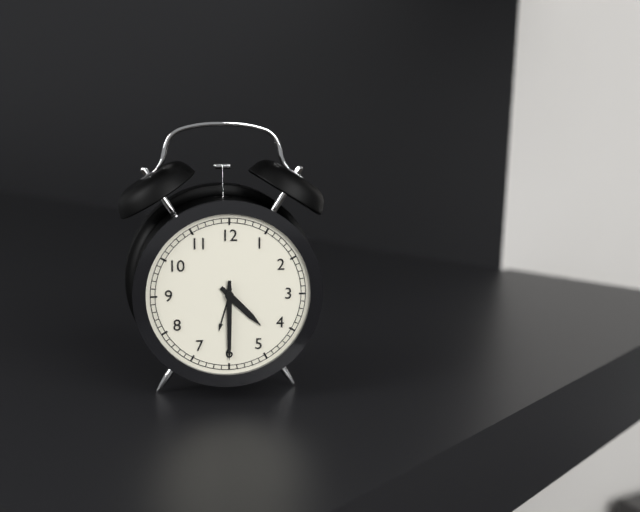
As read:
**4:30**
